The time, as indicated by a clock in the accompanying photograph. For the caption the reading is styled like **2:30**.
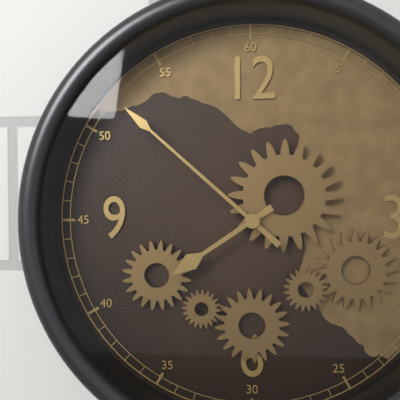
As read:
**7:52**
